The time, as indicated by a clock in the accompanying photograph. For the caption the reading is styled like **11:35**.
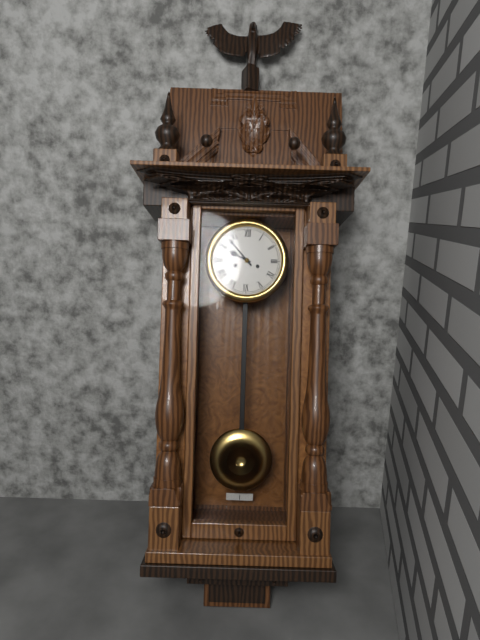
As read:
**9:53**
